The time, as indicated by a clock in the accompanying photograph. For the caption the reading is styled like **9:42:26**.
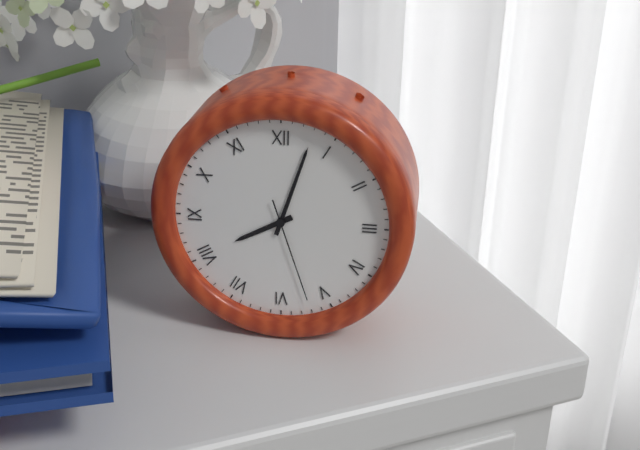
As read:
**8:03:27**
